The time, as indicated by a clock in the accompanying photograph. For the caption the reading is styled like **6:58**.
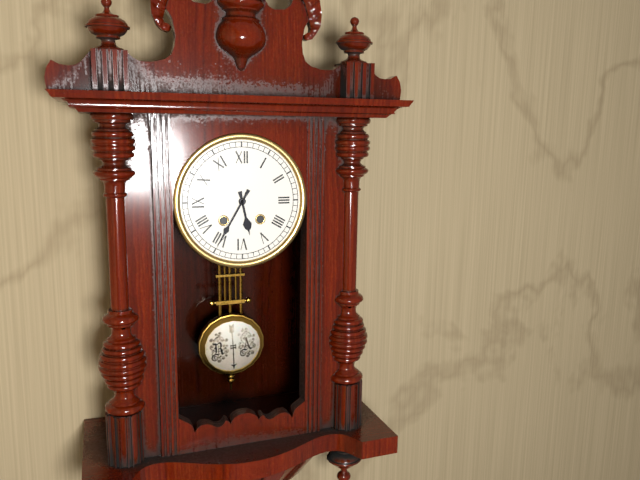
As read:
**5:35**
